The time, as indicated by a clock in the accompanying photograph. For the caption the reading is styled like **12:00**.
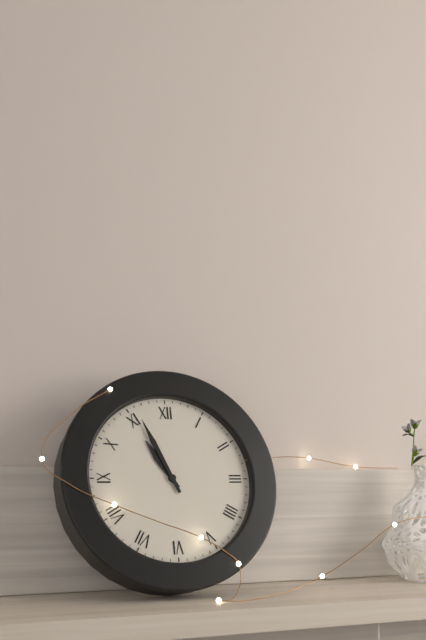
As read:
**10:56**
